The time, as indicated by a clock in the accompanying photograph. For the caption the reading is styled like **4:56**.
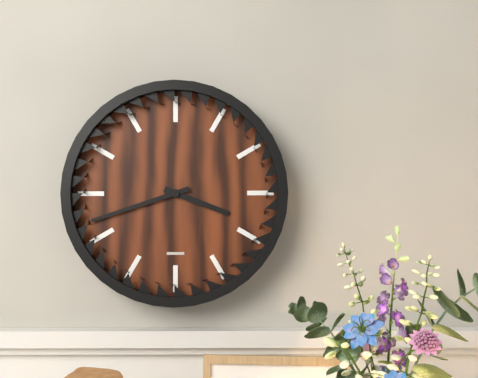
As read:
**3:42**
